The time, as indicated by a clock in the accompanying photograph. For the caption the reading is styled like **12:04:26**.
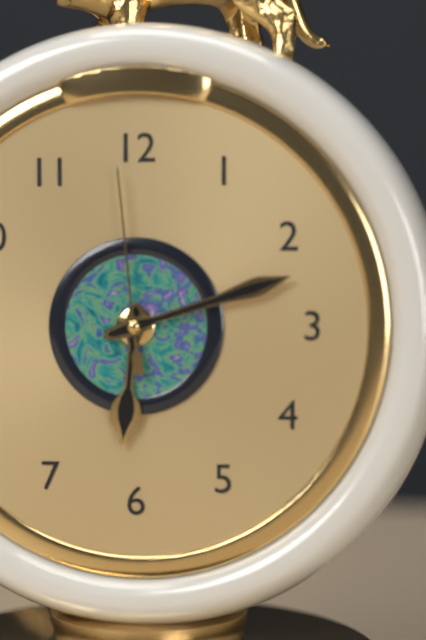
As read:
**6:12:59**
